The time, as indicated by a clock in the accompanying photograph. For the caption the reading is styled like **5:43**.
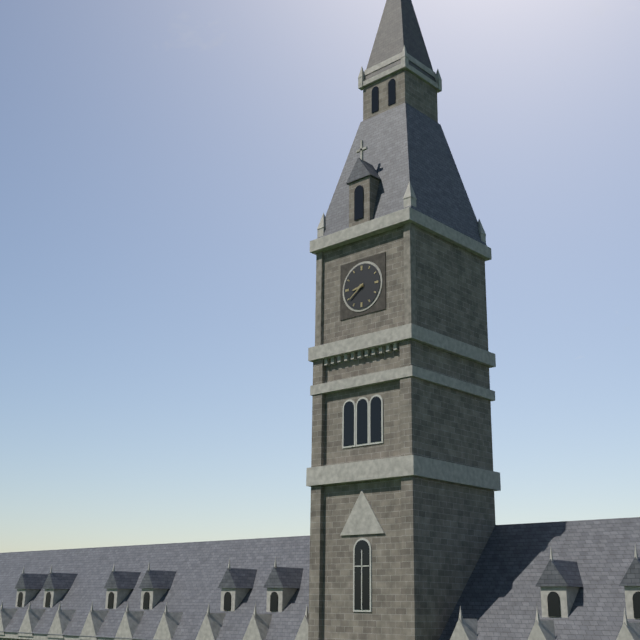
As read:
**8:39**
